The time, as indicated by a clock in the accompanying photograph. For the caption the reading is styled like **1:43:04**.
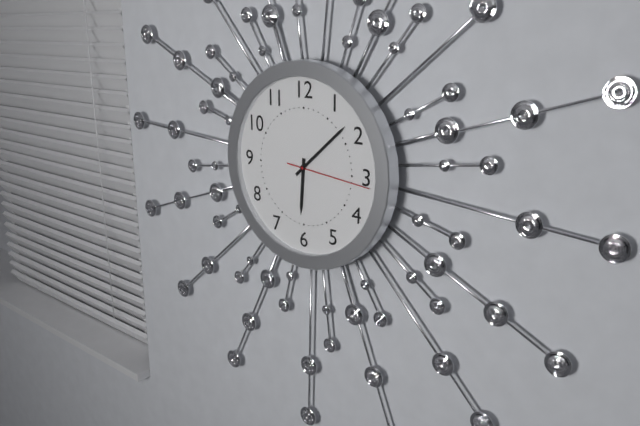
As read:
**6:08:16**
